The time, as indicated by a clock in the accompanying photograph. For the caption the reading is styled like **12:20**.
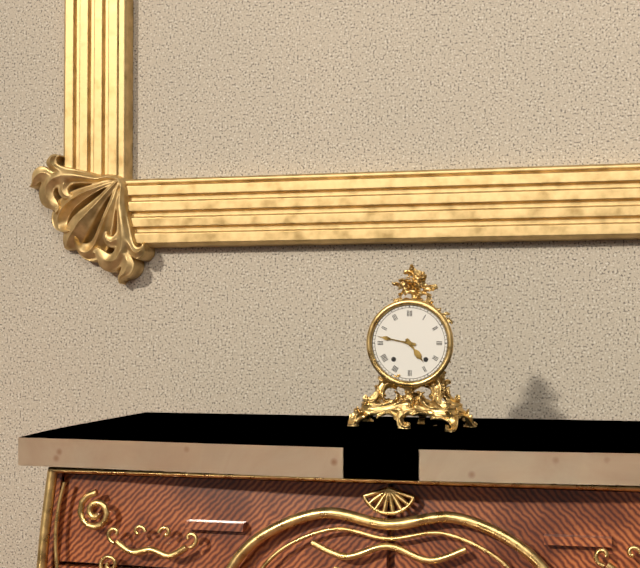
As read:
**4:47**
